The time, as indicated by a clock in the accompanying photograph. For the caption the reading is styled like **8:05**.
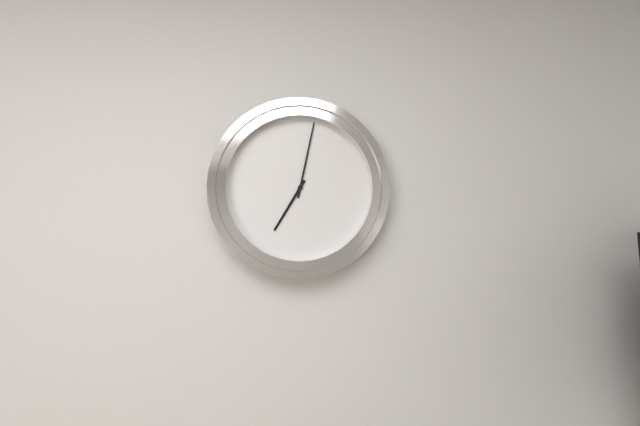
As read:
**7:02**
